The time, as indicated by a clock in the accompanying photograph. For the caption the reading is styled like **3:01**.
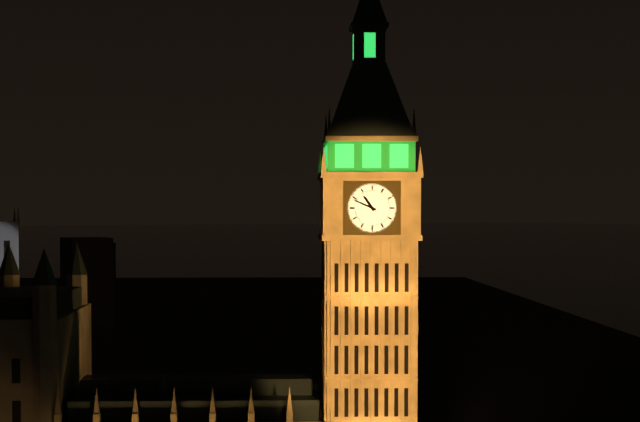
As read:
**10:49**
